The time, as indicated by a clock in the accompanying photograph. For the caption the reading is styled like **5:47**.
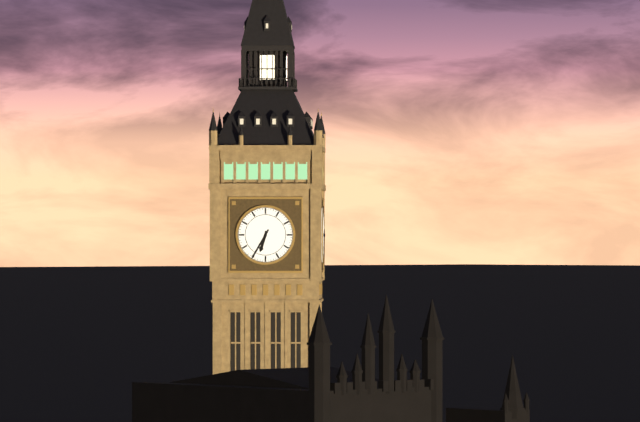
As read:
**6:35**
